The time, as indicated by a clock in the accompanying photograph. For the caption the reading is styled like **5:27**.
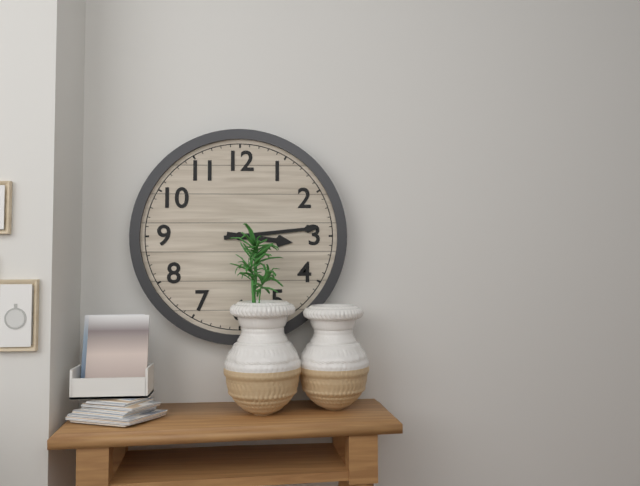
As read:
**3:14**
